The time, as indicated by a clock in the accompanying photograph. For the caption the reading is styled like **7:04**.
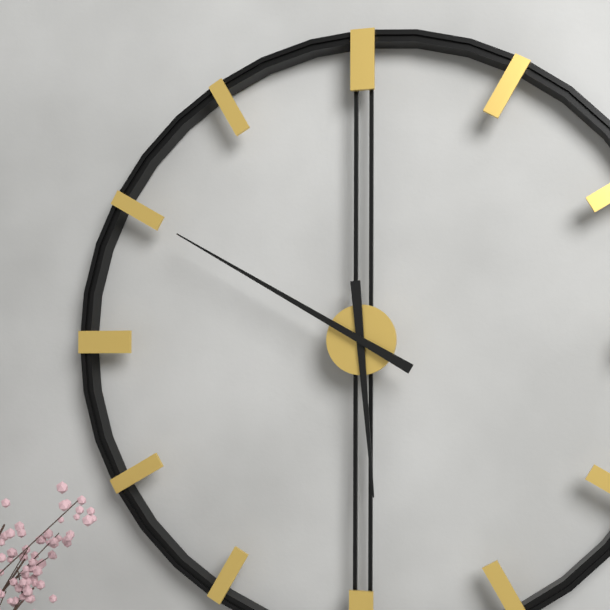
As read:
**5:50**
